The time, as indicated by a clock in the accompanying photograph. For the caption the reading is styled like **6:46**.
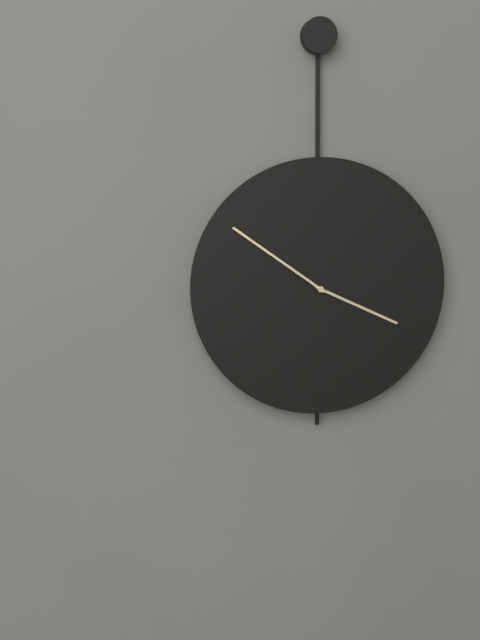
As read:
**3:51**
